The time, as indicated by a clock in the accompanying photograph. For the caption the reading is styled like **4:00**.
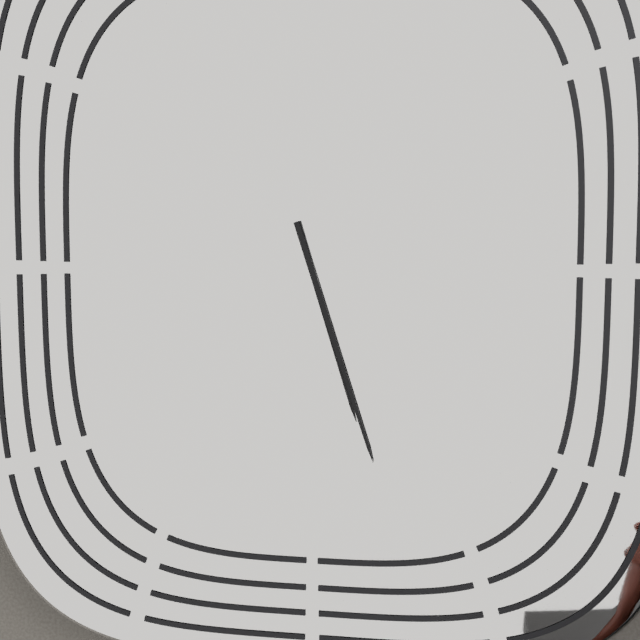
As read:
**5:27**
